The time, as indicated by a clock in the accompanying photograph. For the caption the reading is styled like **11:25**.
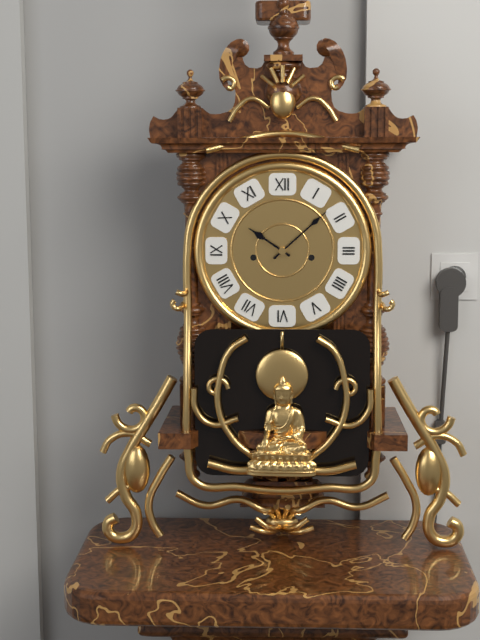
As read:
**10:08**
